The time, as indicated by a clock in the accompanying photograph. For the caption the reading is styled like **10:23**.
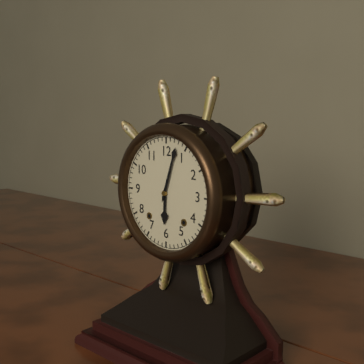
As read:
**6:03**
